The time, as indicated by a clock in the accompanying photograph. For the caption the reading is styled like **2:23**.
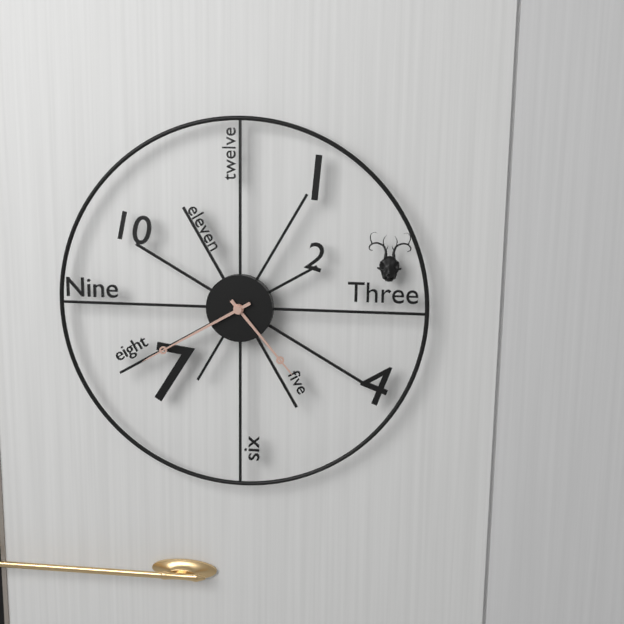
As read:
**4:40**
